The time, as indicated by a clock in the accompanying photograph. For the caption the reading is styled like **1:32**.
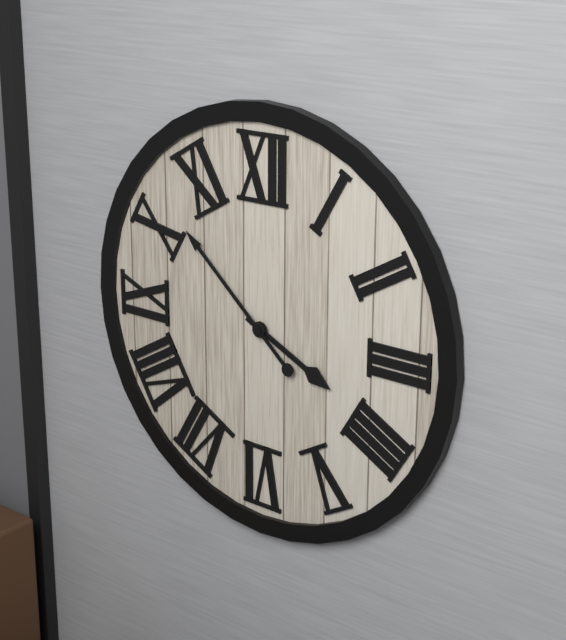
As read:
**3:52**
